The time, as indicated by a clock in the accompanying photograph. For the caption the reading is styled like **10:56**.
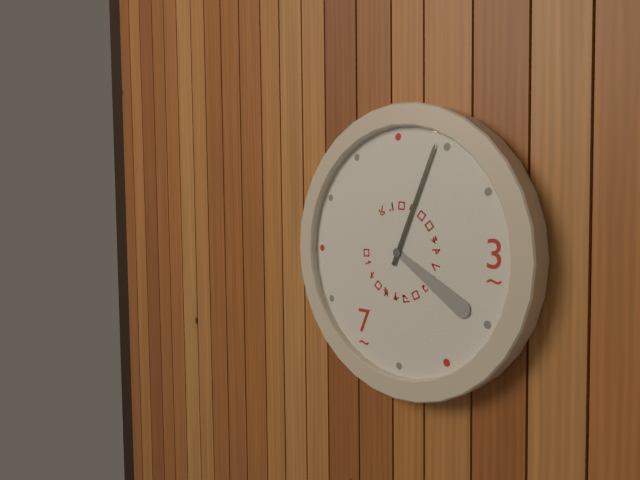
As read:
**4:04**
